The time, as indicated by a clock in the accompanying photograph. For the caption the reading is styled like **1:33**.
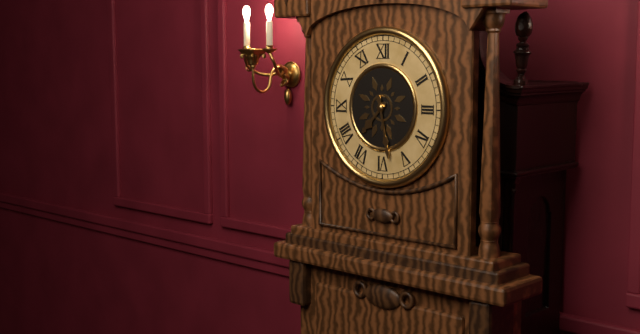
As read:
**7:28**
